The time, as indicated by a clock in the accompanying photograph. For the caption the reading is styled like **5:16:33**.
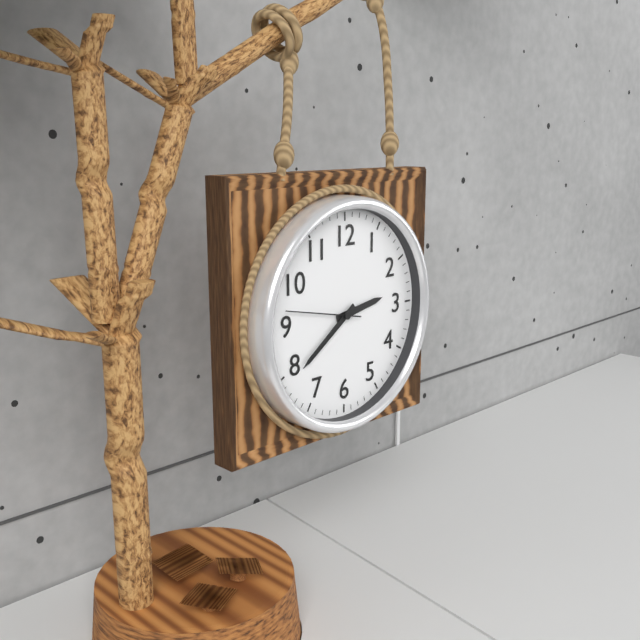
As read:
**2:39:47**
